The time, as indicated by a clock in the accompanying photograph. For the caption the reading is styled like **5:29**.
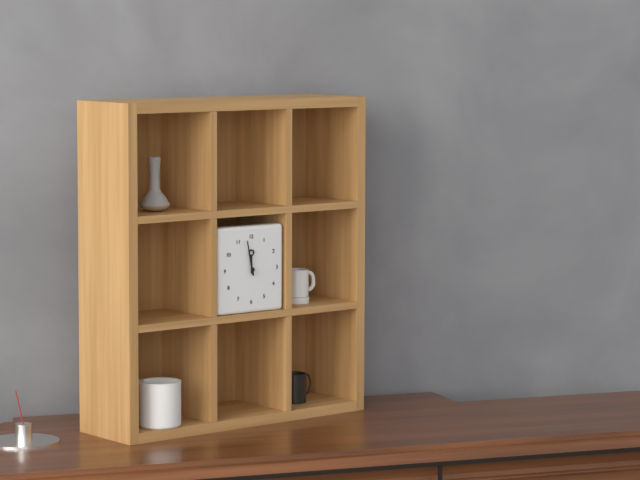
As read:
**11:58**
